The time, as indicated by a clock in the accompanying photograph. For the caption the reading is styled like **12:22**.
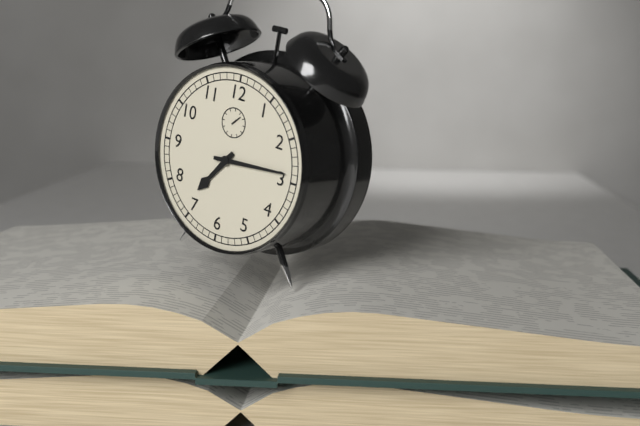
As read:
**7:14**
